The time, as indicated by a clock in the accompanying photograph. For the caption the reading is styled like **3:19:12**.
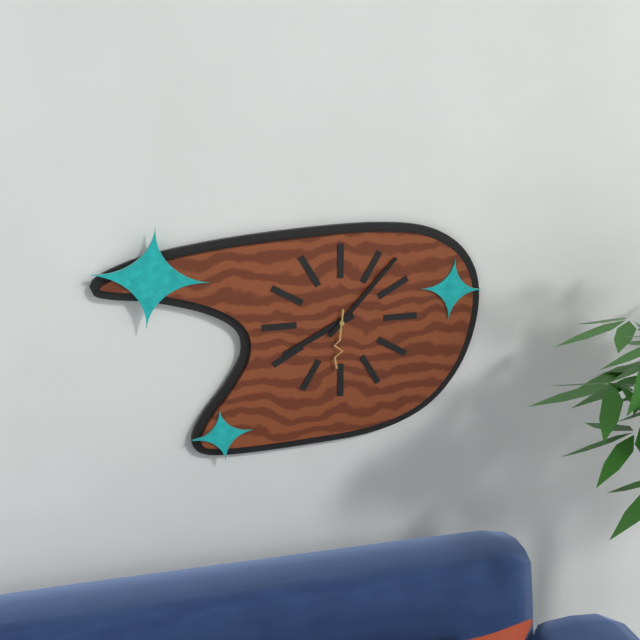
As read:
**8:07:31**
